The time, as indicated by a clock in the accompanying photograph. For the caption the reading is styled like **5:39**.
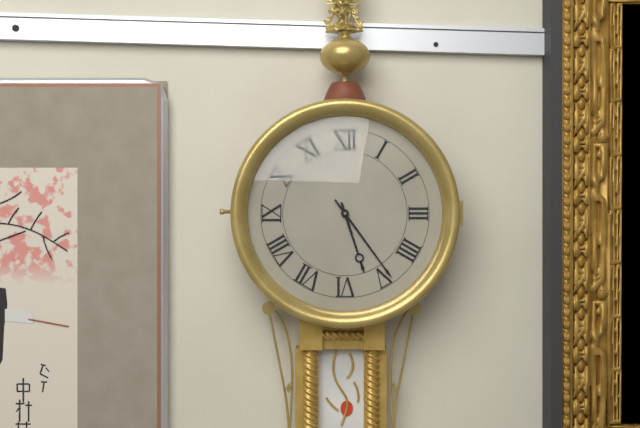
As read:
**5:24**
